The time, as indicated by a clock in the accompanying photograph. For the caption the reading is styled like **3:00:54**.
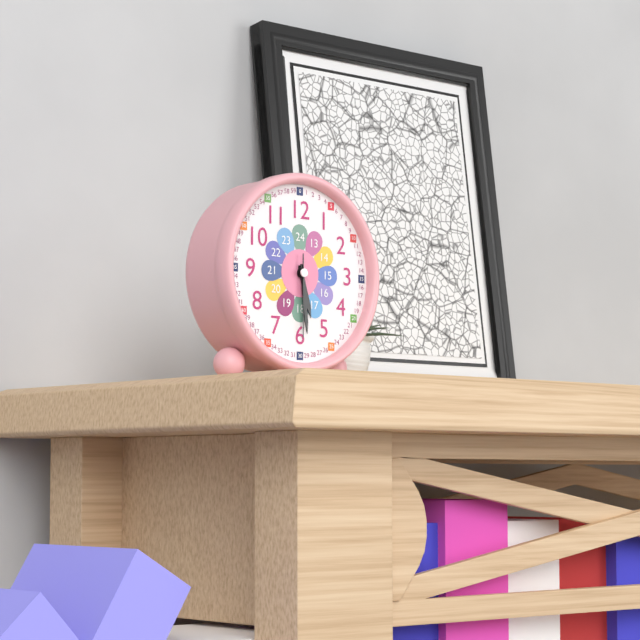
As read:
**5:29:30**
